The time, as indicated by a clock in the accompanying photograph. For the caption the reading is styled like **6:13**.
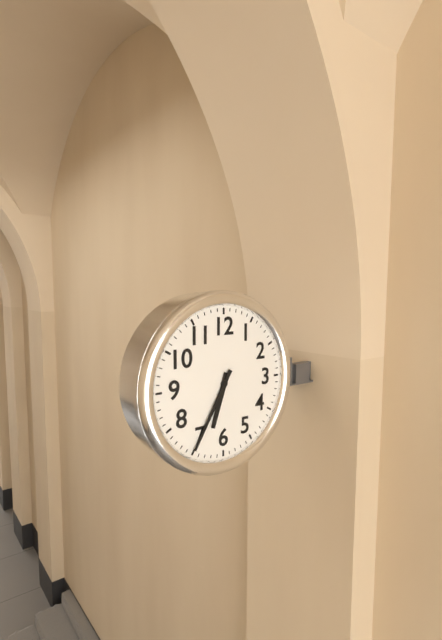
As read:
**6:35**
